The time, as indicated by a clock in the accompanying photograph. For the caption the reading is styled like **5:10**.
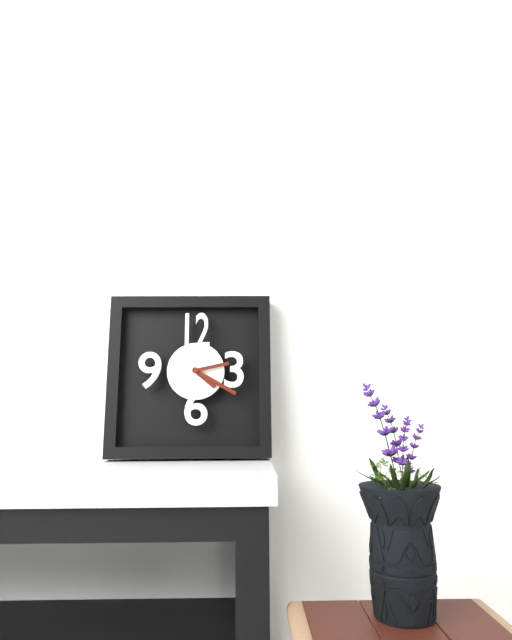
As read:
**4:20**
